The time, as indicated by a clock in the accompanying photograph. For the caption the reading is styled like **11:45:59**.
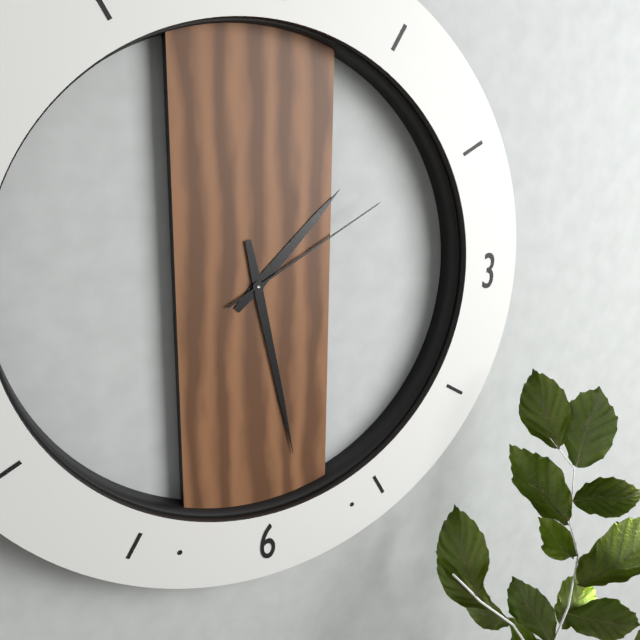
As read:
**1:28:10**
